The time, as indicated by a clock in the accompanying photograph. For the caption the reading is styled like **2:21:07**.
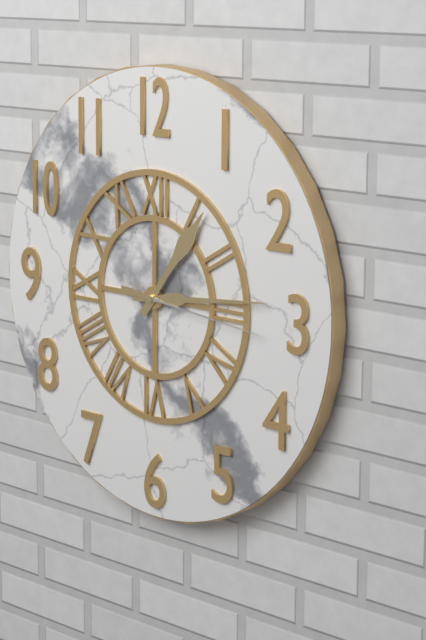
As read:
**1:14:16**
